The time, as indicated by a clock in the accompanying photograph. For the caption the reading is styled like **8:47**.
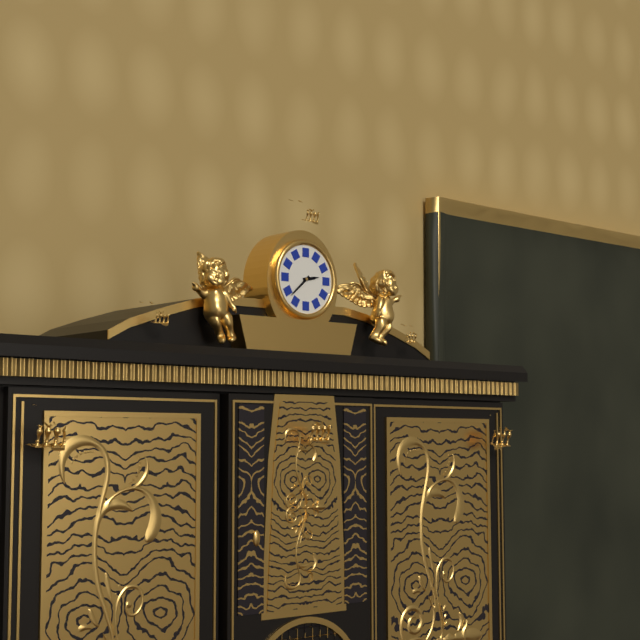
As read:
**2:38**
